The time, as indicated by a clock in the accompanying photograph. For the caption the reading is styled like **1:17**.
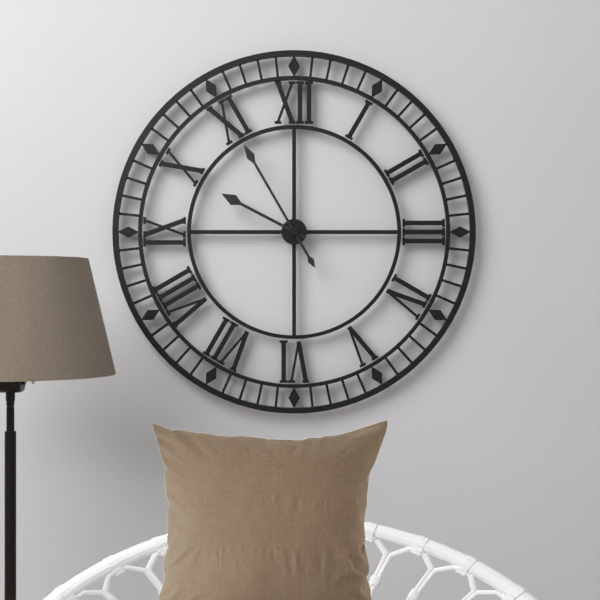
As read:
**9:55**
